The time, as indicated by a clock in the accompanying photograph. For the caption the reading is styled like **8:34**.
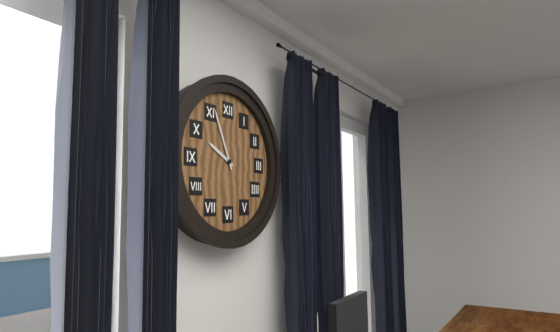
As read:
**9:56**
